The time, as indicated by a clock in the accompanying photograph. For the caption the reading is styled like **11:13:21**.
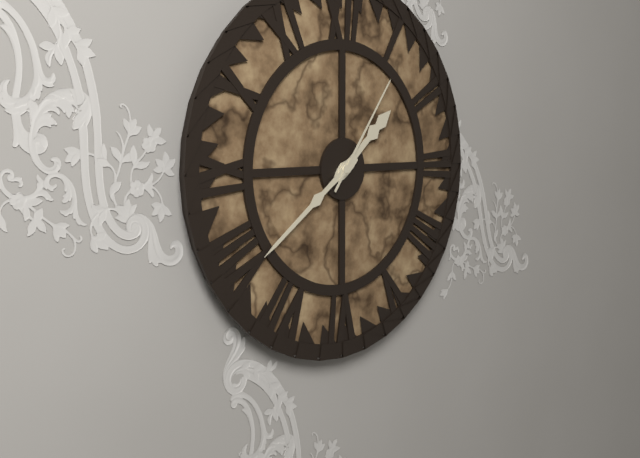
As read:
**1:39:06**
